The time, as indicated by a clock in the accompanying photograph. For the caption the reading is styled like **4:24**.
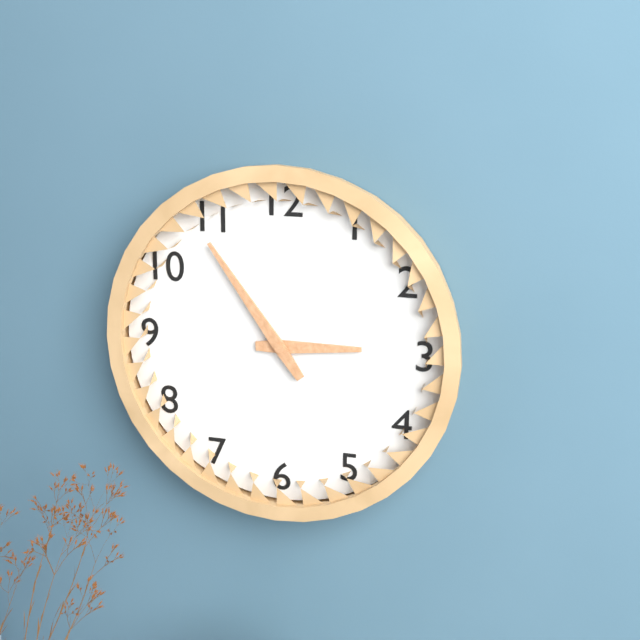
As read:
**2:54**
